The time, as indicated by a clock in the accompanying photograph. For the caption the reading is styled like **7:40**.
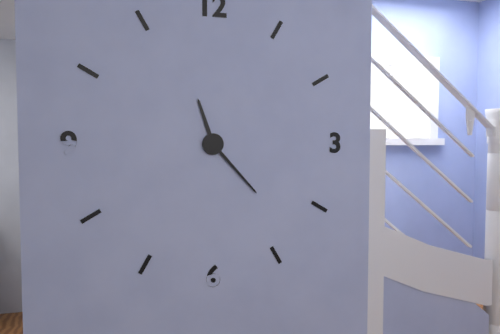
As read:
**11:23**
